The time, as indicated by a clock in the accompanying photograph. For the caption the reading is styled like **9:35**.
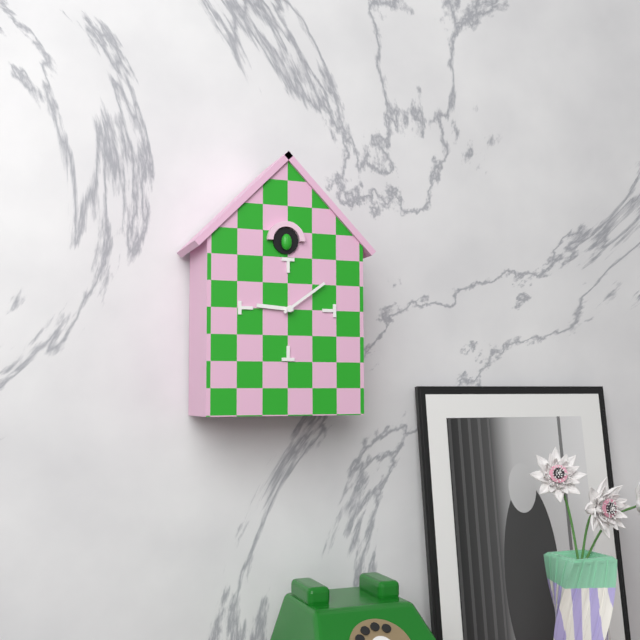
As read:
**9:09**
